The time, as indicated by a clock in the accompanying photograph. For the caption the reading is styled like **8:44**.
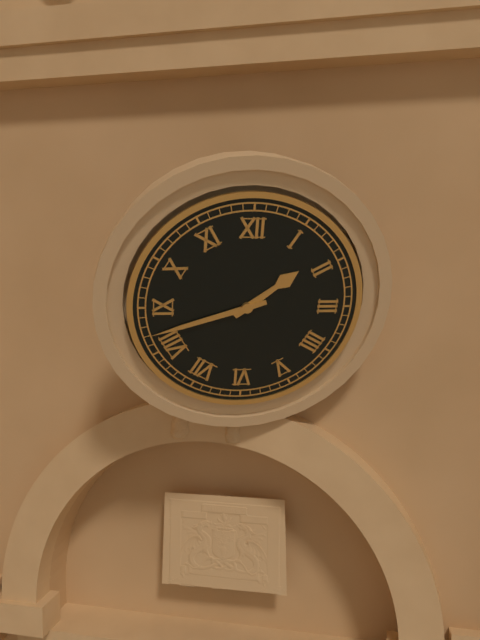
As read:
**1:42**
